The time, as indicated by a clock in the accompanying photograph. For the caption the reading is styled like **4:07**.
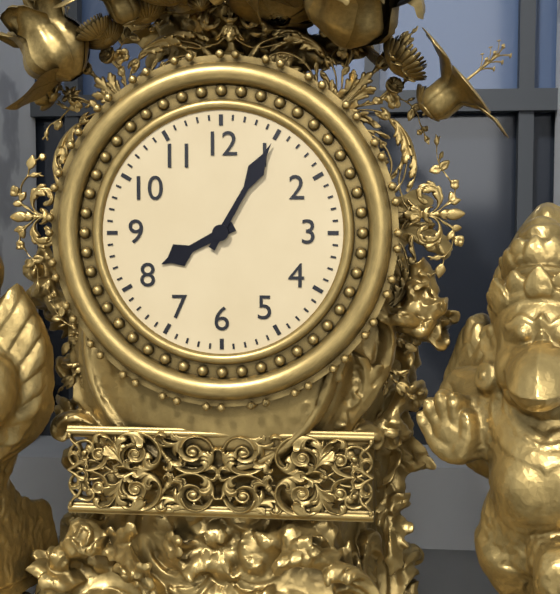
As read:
**8:05**
